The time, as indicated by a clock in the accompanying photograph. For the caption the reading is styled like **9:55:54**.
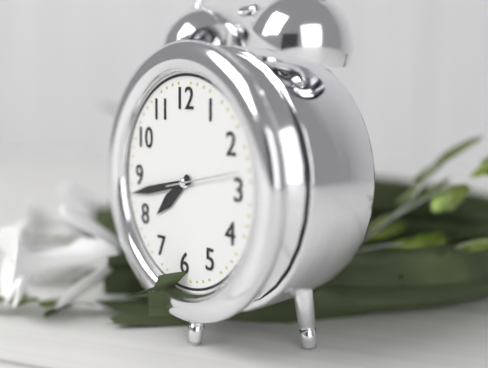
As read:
**7:43:13**
